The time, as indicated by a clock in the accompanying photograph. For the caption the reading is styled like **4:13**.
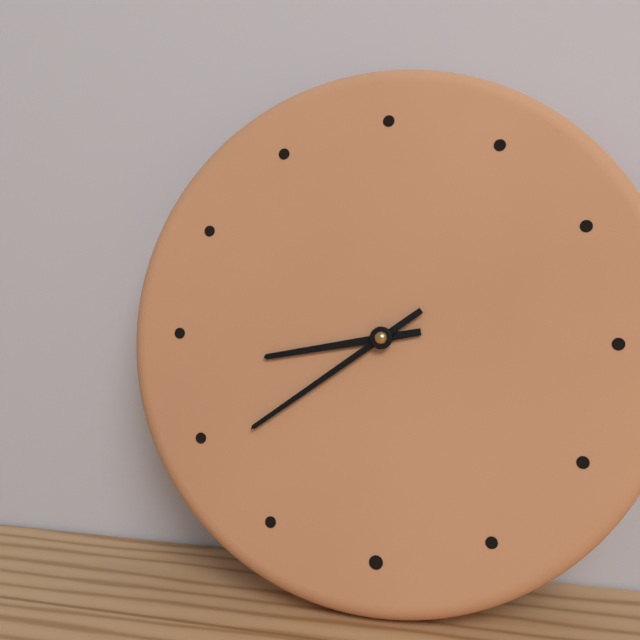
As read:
**8:39**
